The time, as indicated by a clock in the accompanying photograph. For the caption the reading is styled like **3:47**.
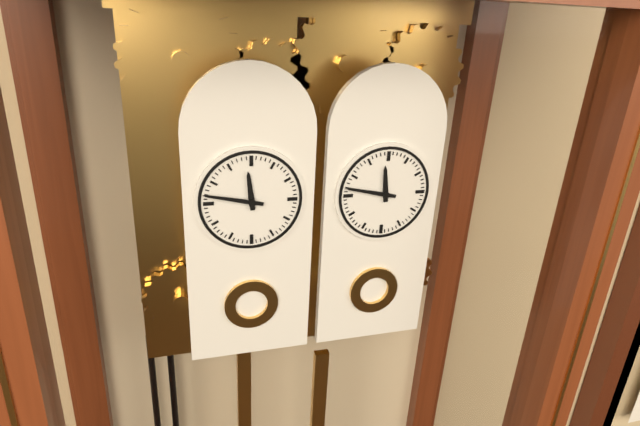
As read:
**11:47**
